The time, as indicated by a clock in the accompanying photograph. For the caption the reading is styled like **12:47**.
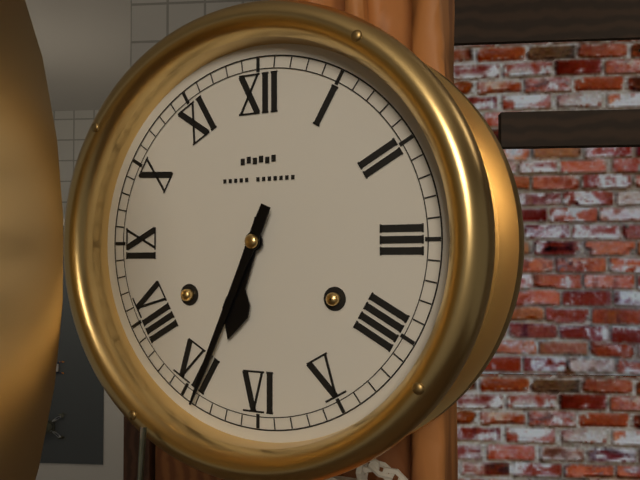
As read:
**6:34**
